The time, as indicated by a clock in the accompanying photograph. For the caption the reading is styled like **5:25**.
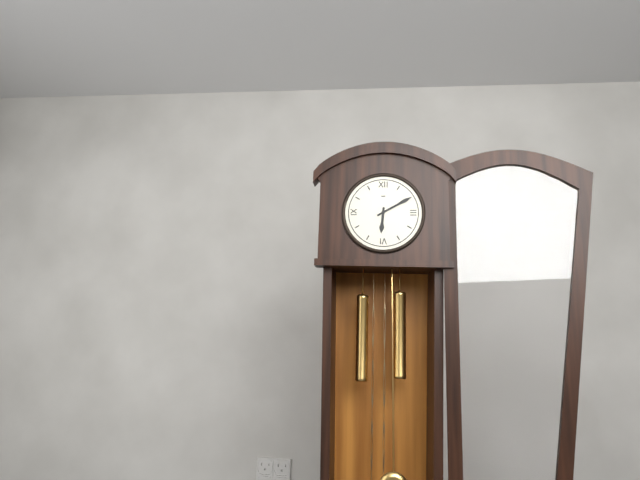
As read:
**6:10**
